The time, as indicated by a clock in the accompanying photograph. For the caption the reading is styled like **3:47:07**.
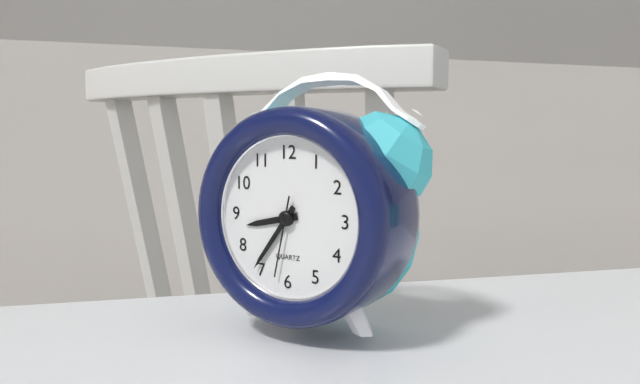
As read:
**8:36:32**
